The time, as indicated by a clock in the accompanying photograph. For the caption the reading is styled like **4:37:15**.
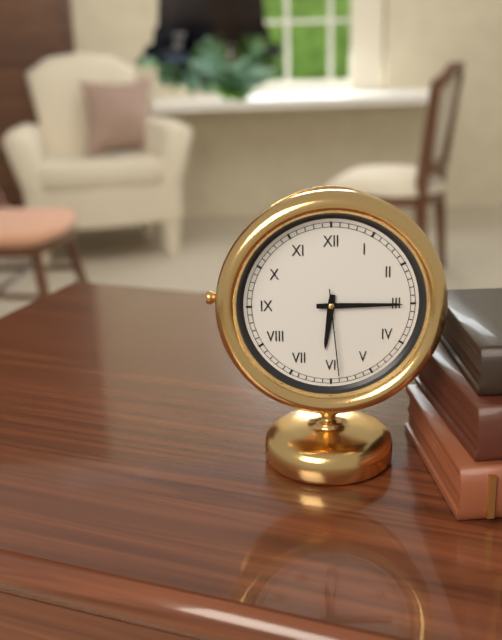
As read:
**6:15:29**
